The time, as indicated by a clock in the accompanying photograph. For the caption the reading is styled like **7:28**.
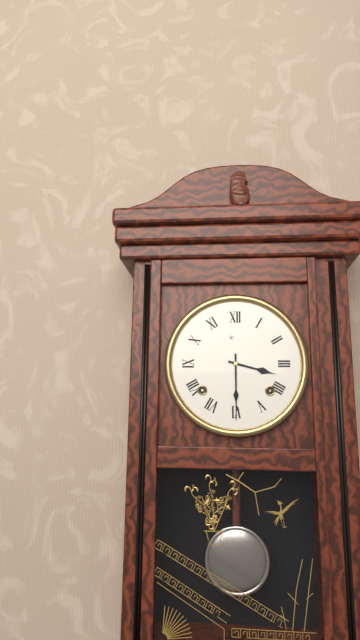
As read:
**3:30**
